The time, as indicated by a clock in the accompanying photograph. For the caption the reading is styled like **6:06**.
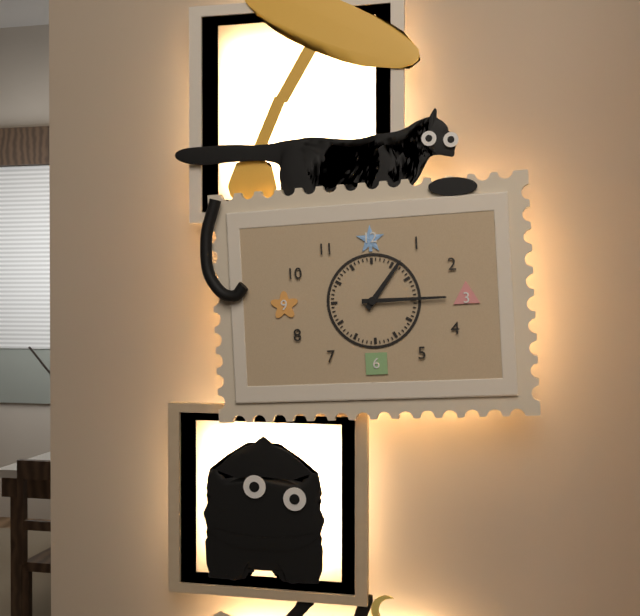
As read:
**1:15**
